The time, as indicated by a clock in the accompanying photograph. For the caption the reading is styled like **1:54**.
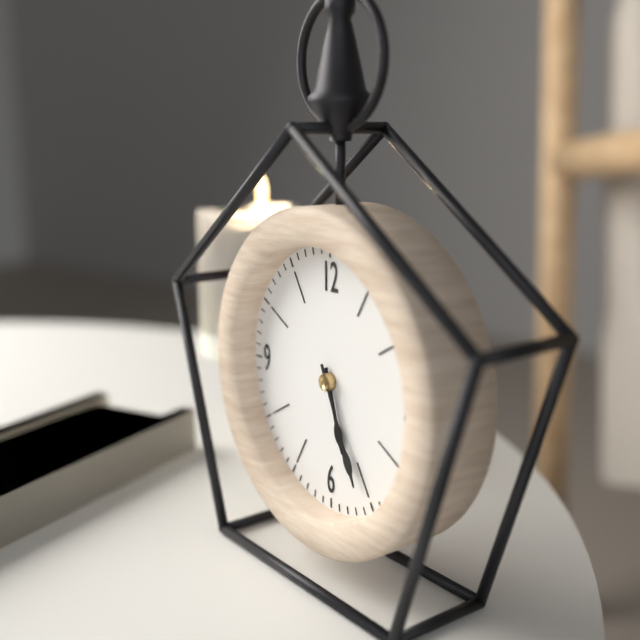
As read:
**5:26**
